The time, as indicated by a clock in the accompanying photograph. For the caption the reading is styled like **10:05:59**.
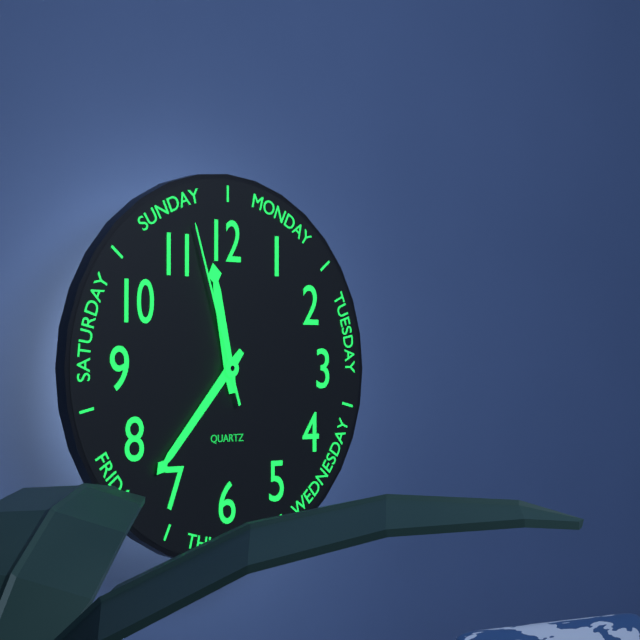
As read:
**11:37:57**
